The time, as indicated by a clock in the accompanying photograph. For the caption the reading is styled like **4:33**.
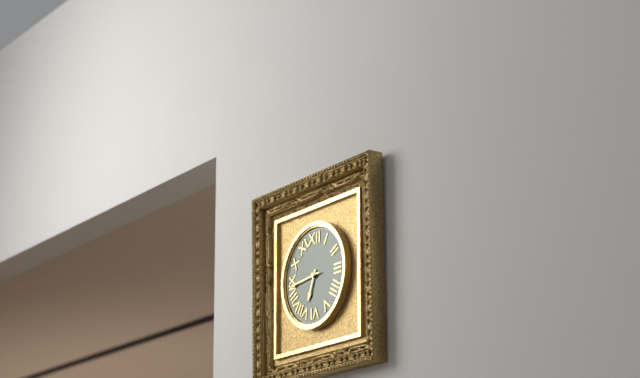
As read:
**6:44**
